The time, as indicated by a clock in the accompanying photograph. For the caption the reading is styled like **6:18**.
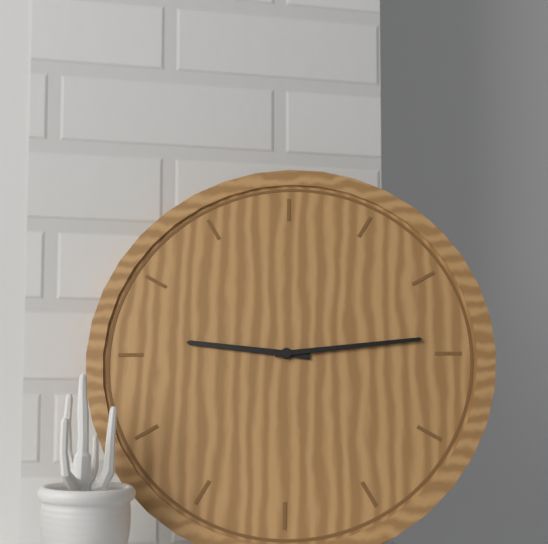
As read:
**9:14**
